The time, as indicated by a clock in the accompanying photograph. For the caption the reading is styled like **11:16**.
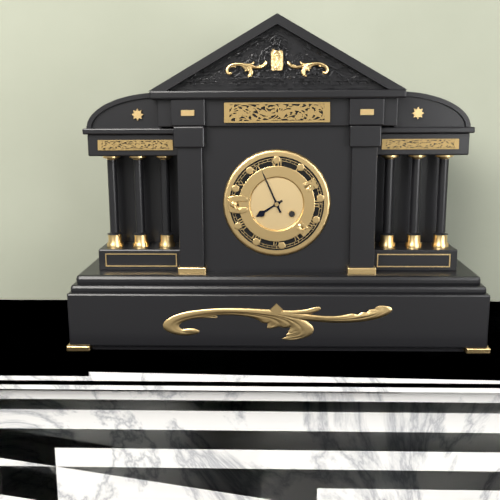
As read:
**7:56**
